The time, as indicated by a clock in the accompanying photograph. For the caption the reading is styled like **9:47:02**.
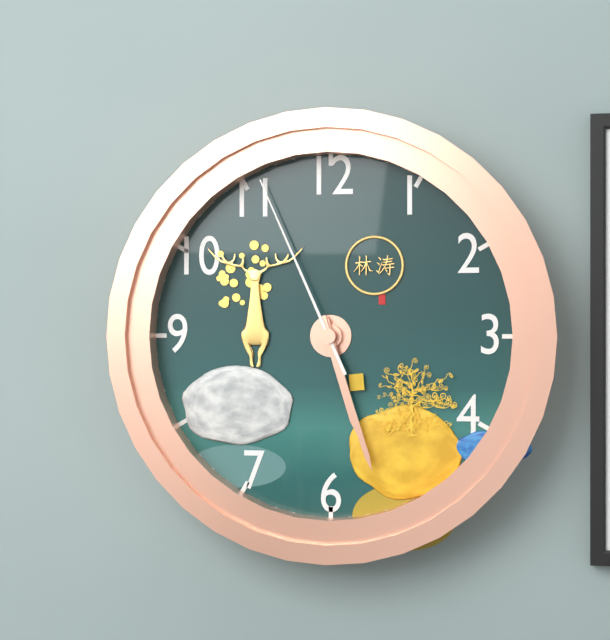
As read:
**5:27:56**
